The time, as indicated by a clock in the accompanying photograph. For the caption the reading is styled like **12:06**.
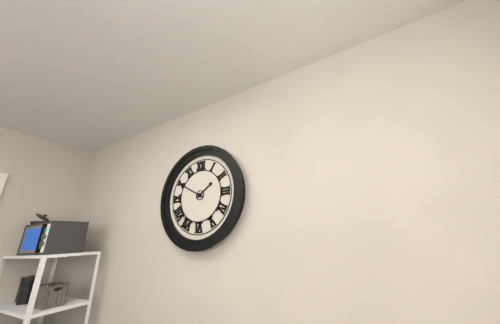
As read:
**1:50**
